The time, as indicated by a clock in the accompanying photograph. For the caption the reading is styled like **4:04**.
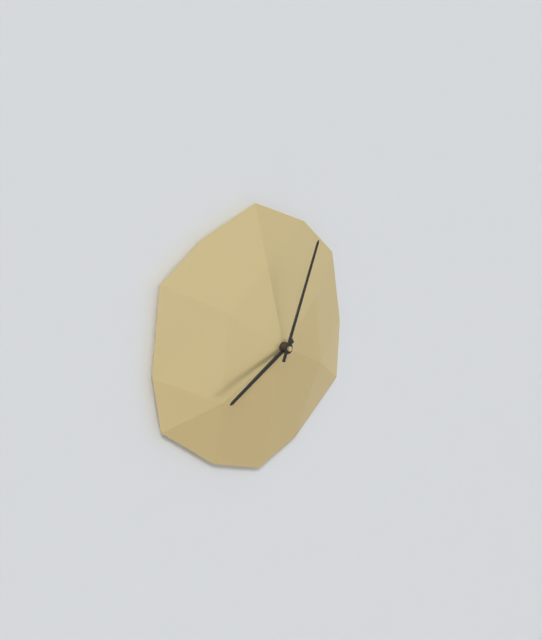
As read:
**8:04**
